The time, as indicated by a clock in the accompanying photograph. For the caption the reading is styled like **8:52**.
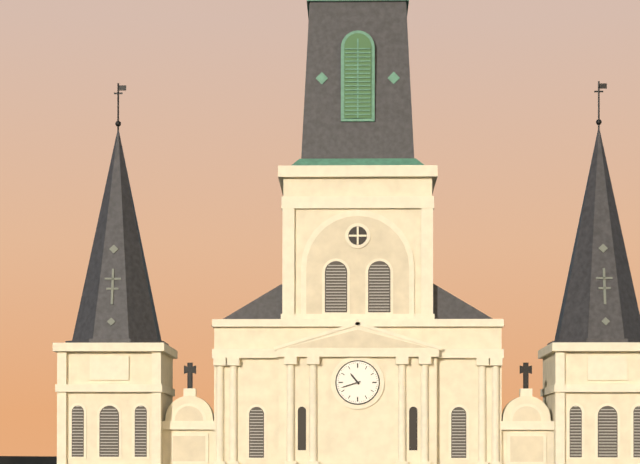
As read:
**10:42**
